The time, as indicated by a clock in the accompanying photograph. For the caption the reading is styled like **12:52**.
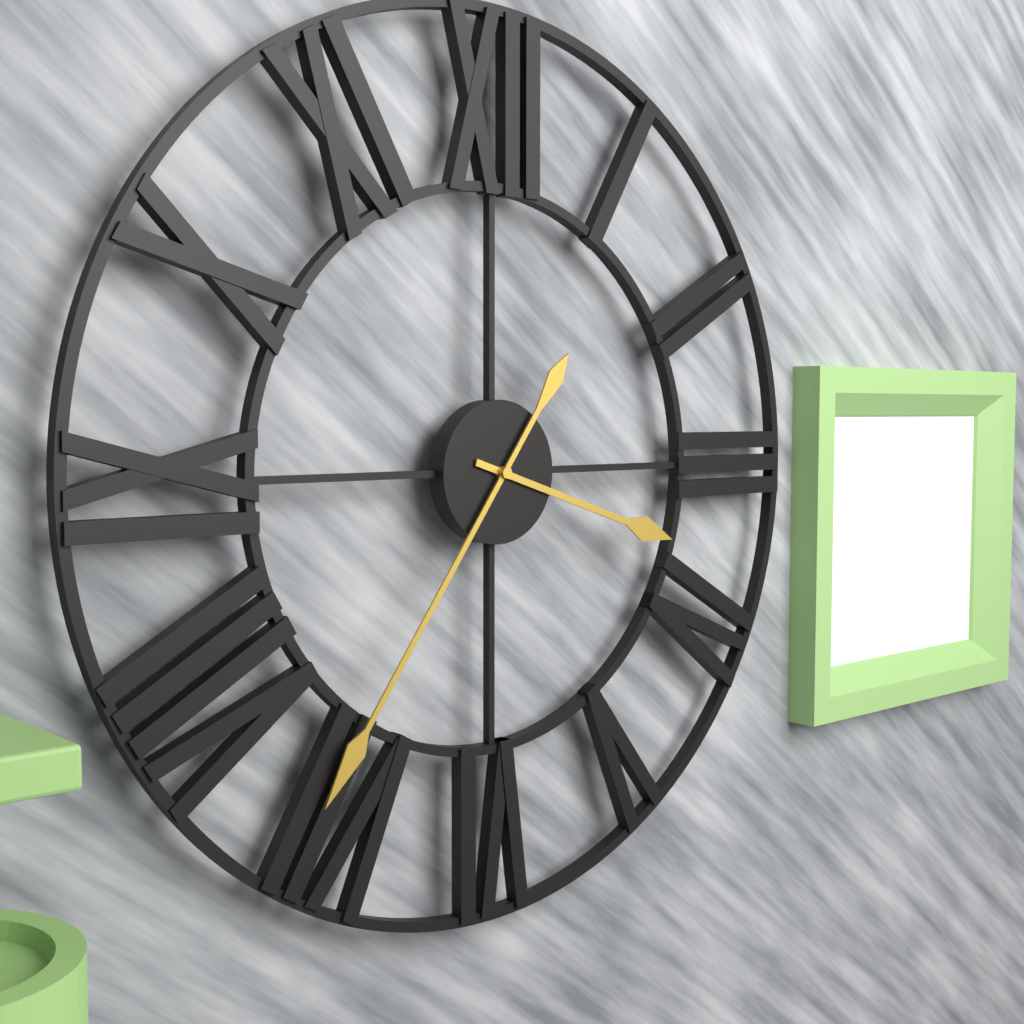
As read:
**3:36**
